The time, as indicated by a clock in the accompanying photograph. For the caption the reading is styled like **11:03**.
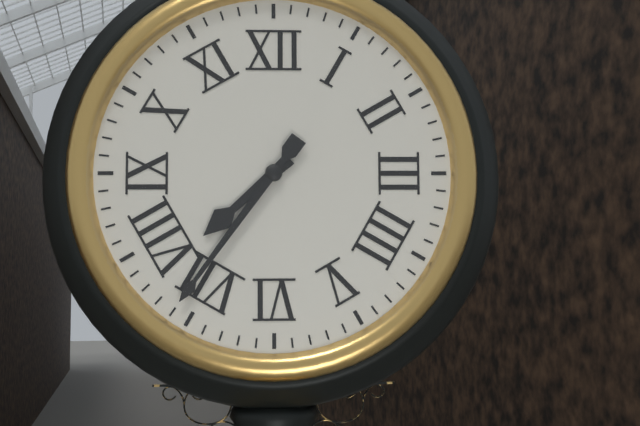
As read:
**7:36**
